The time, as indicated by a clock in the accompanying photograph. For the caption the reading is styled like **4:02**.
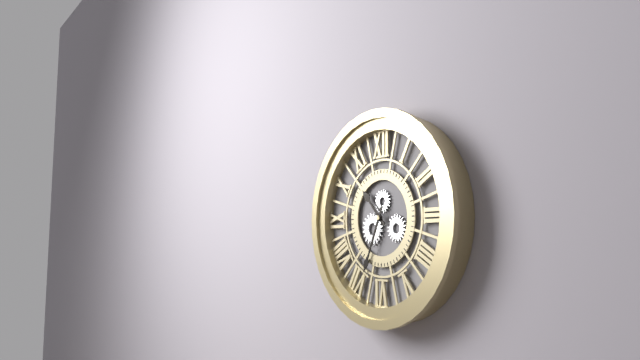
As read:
**10:34**
